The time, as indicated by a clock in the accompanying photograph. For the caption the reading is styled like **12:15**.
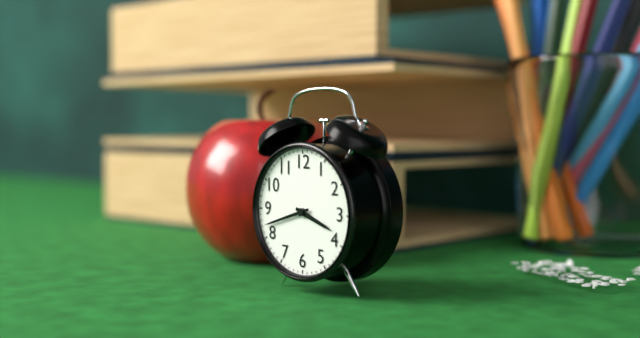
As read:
**3:42**
